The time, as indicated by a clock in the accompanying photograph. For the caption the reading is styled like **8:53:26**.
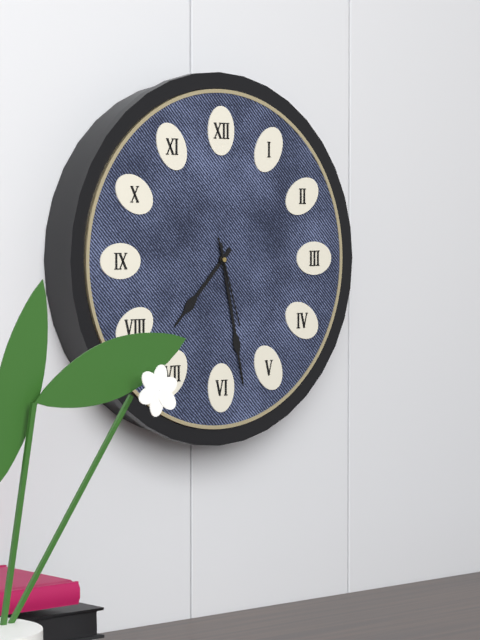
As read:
**7:28:27**
